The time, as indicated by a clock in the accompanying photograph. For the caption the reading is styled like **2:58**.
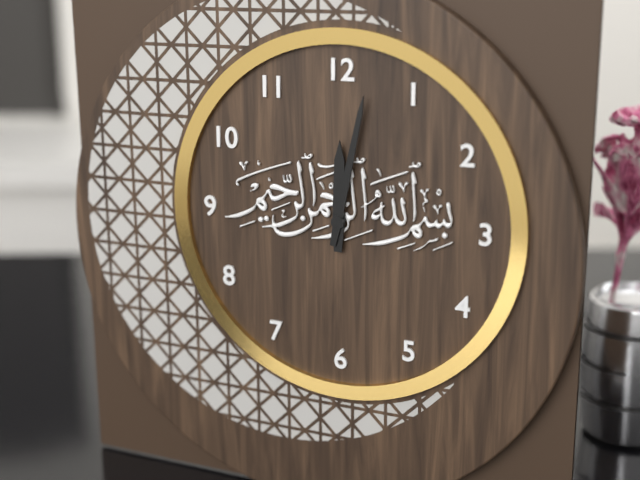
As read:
**12:02**
